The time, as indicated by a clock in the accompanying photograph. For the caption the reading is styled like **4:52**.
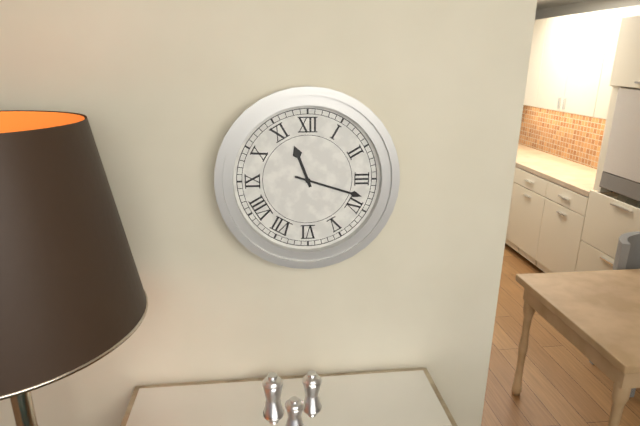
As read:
**11:18**
